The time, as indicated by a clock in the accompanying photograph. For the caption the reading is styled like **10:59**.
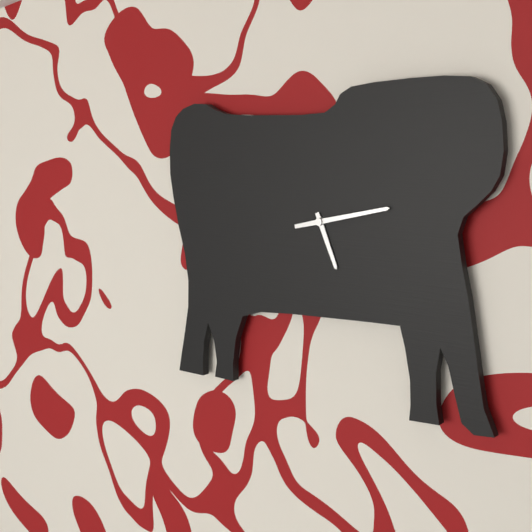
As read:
**5:13**
